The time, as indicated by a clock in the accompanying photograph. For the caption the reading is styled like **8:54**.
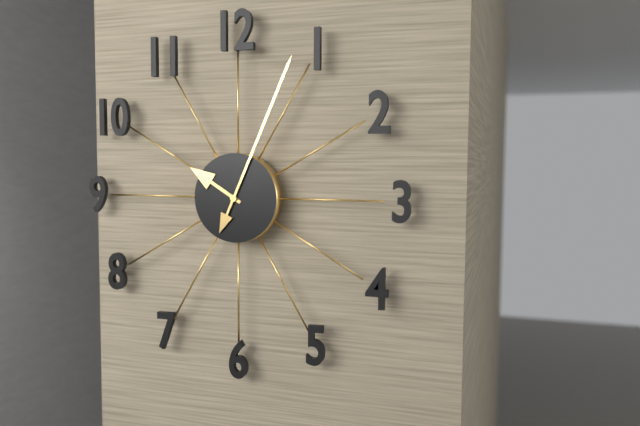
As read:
**10:04**
